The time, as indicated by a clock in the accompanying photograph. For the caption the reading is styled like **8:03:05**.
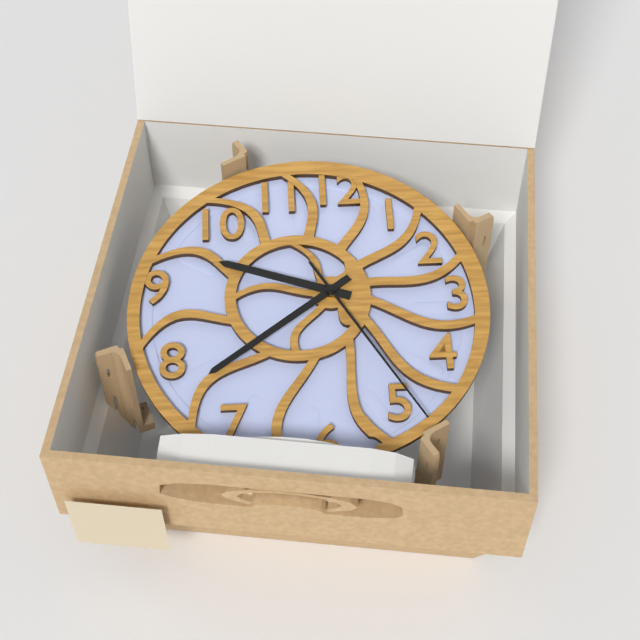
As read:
**9:39:25**
